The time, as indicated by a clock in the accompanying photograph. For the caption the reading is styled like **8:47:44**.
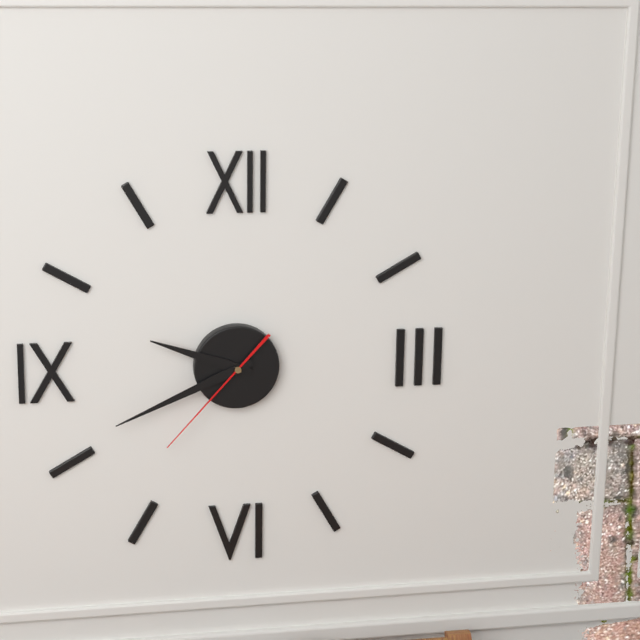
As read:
**9:41:37**
